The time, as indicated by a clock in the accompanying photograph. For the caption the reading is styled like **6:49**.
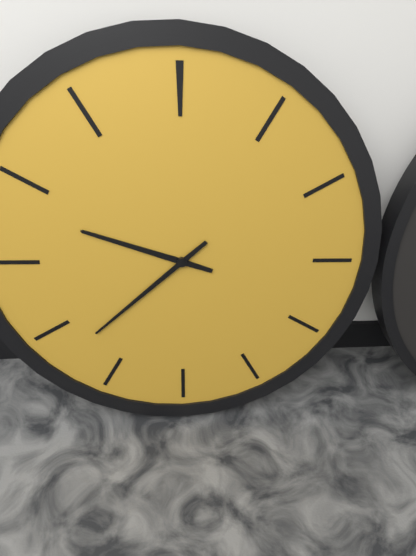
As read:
**9:38**
